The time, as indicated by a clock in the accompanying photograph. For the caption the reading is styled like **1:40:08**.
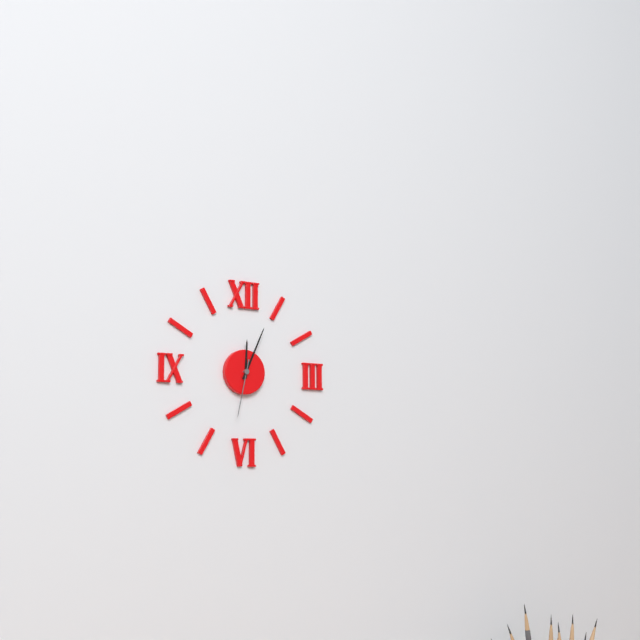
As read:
**12:04:32**
